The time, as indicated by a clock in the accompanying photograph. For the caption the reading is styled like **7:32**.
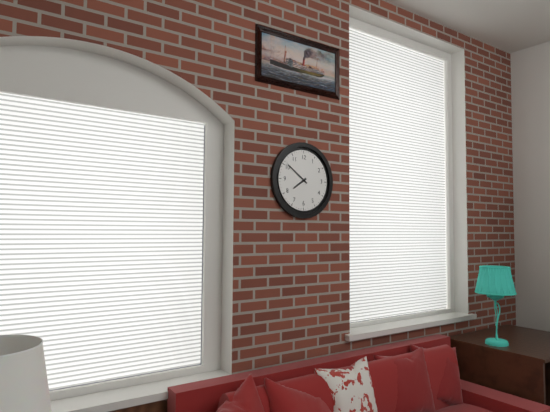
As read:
**7:51**
